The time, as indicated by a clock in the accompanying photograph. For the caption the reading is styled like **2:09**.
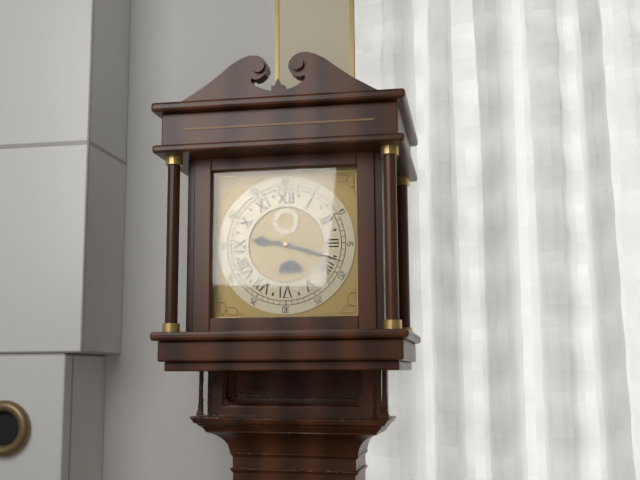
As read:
**9:18**
